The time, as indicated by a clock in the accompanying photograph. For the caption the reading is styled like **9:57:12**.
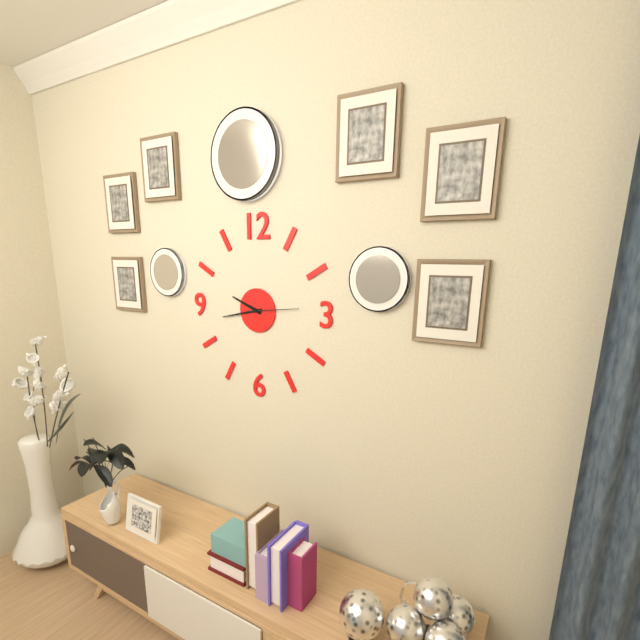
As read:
**9:43:14**
